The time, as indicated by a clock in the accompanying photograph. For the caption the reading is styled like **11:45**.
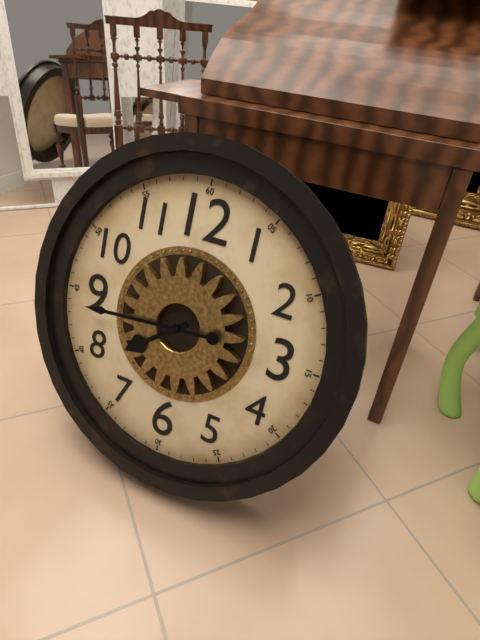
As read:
**7:44**
